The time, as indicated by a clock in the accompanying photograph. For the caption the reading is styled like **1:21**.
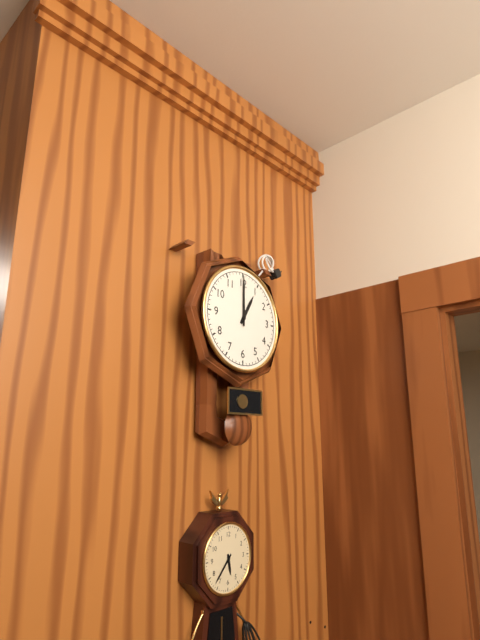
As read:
**1:00**
